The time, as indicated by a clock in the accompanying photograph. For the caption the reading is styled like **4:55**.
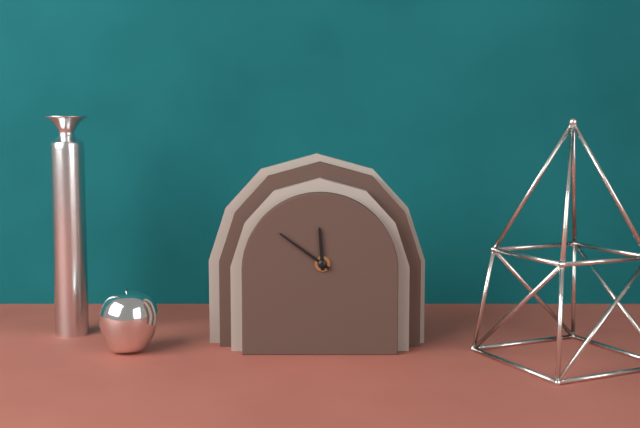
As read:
**11:51**
